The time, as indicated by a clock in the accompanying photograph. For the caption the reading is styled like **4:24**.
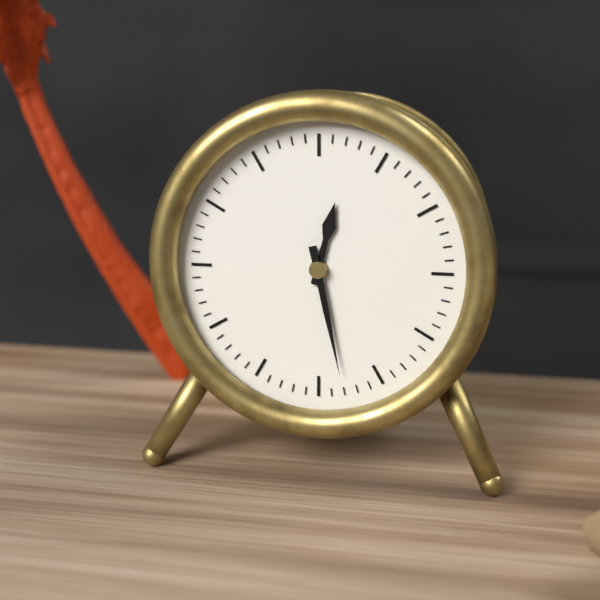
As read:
**12:28**
